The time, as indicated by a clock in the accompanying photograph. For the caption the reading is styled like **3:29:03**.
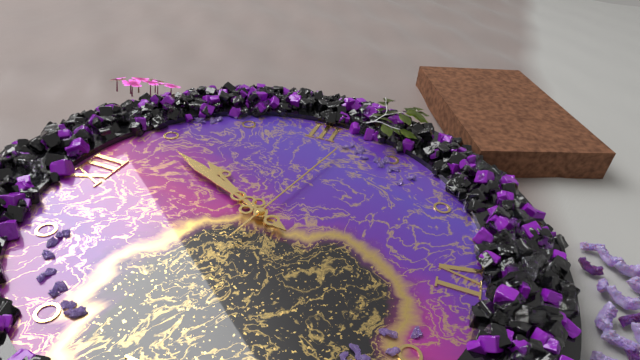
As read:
**1:04:17**
